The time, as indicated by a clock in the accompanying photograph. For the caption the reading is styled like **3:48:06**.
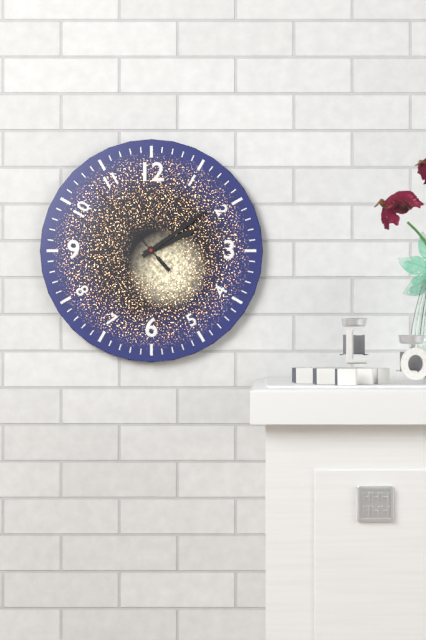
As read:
**2:09:53**
